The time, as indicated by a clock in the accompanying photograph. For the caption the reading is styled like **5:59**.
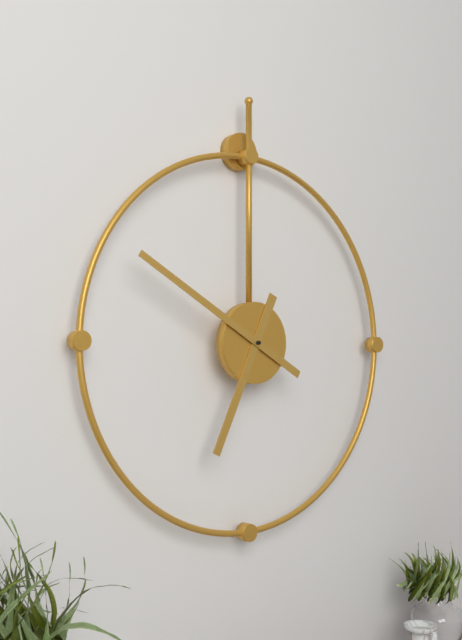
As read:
**6:50**
